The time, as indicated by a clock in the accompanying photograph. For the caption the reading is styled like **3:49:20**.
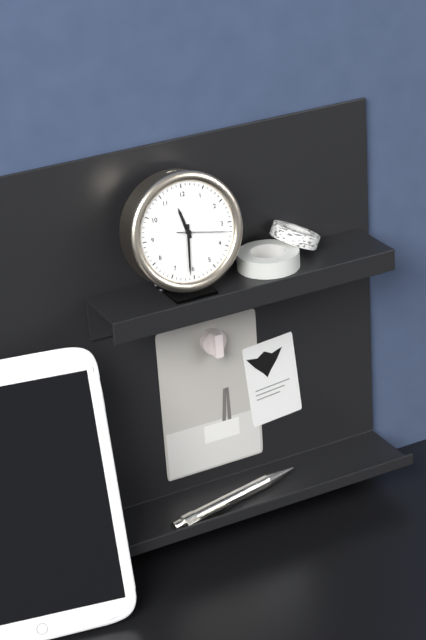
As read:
**11:31:17**
